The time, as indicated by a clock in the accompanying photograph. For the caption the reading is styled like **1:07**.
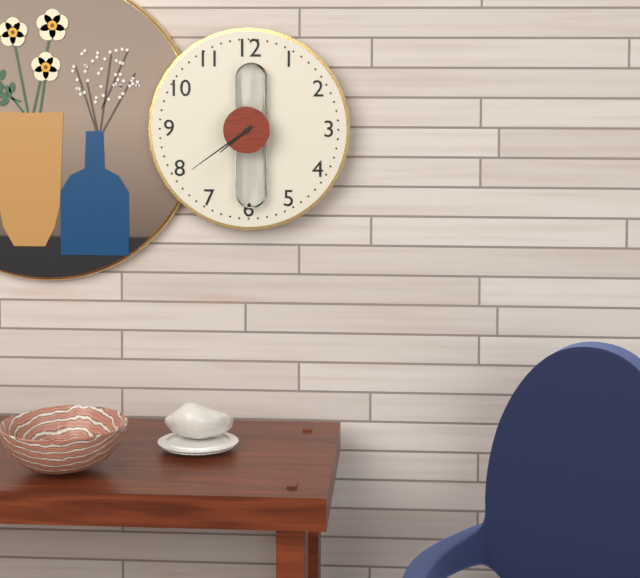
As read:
**7:39**
